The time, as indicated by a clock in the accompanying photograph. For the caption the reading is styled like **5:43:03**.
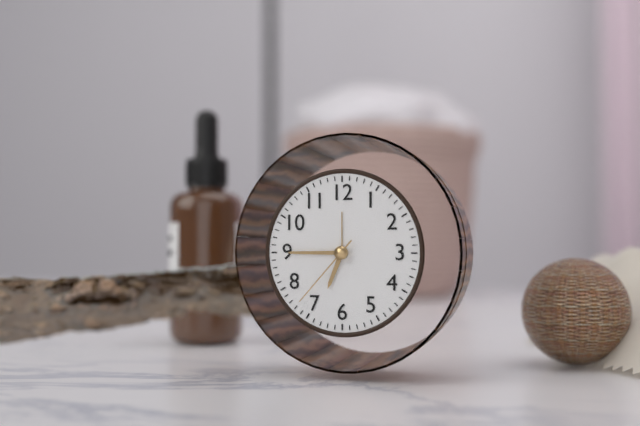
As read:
**6:45:37**
